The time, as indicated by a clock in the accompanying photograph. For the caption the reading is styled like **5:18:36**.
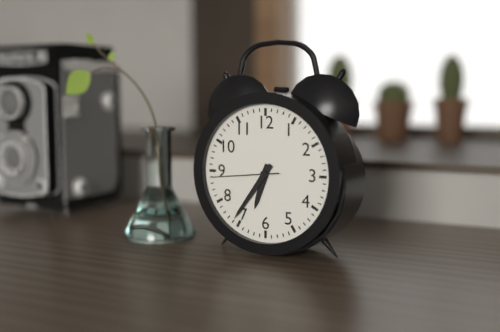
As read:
**6:36:44**
